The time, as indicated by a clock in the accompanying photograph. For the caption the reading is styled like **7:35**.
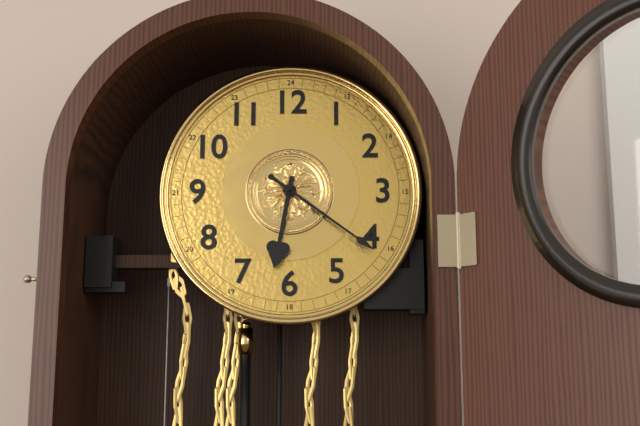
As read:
**6:21**
